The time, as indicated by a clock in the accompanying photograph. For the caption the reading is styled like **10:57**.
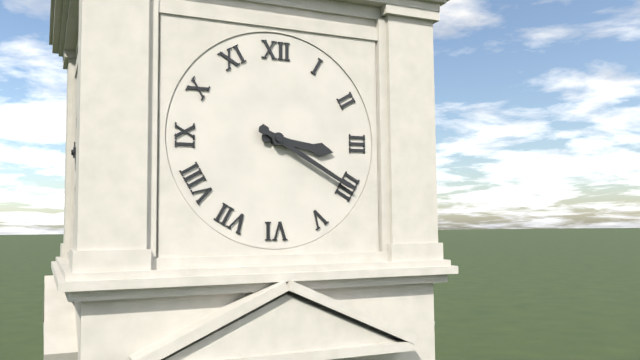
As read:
**3:20**
